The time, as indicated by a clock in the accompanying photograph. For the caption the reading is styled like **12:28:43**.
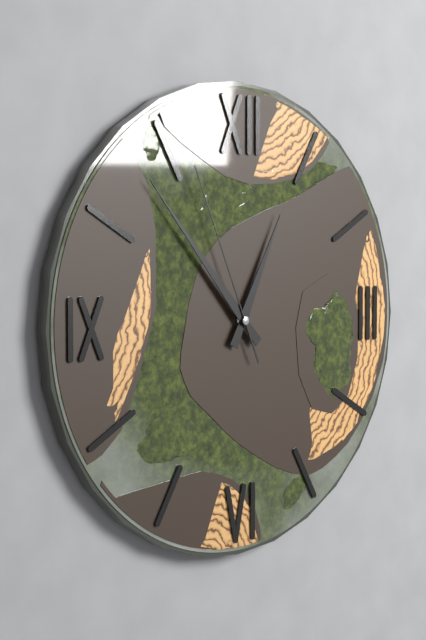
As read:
**12:53:56**
